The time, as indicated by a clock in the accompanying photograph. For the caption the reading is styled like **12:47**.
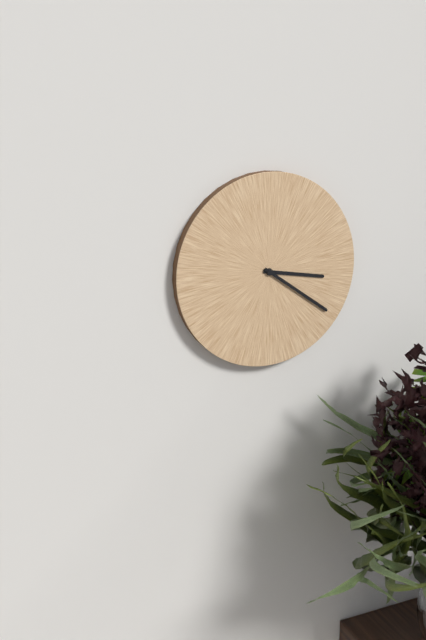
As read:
**3:21**
